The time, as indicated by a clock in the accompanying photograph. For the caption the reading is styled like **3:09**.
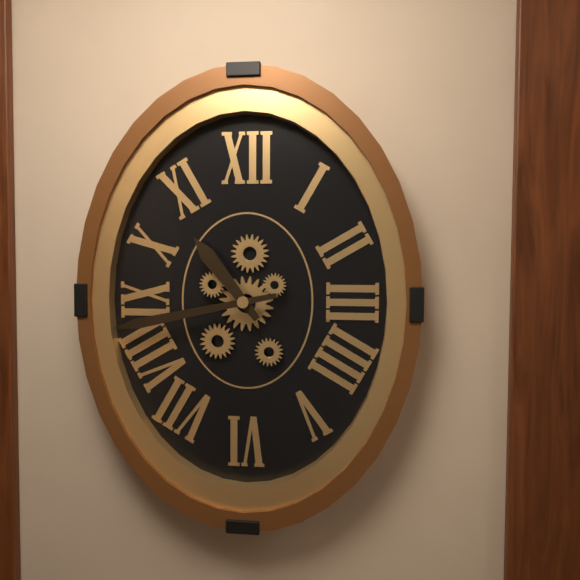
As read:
**10:43**
